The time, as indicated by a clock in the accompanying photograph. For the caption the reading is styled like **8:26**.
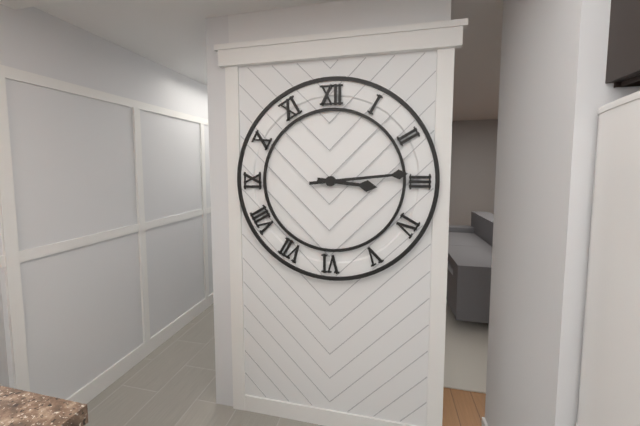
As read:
**3:14**
